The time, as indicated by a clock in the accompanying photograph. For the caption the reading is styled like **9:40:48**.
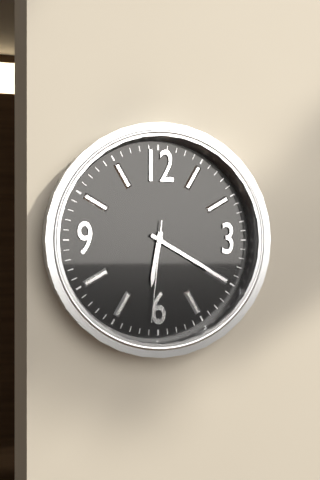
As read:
**6:20:31**
